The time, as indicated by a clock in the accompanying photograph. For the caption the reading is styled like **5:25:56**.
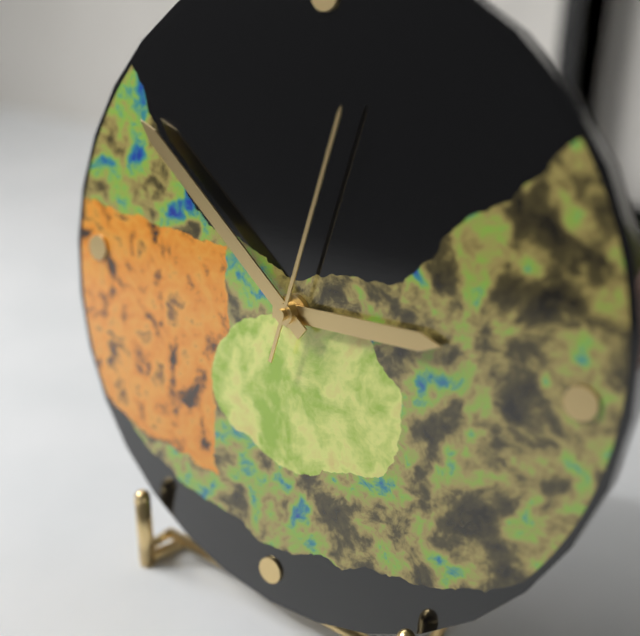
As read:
**2:51:02**
